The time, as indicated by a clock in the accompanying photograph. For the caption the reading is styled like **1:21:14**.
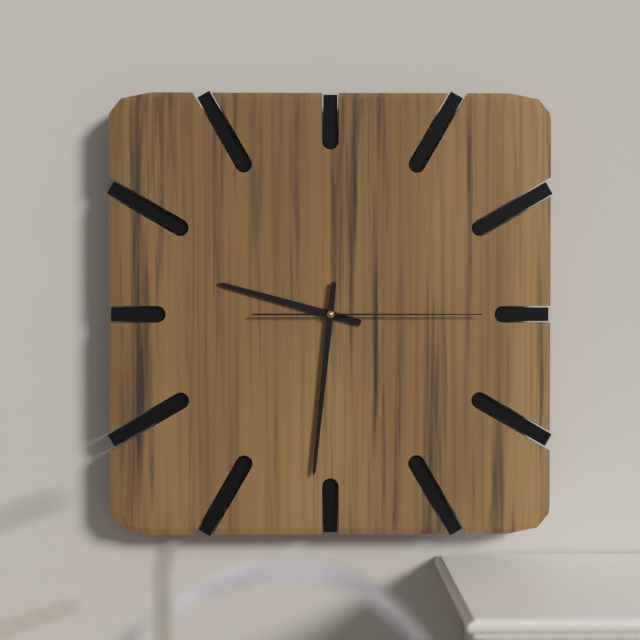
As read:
**9:31:15**
